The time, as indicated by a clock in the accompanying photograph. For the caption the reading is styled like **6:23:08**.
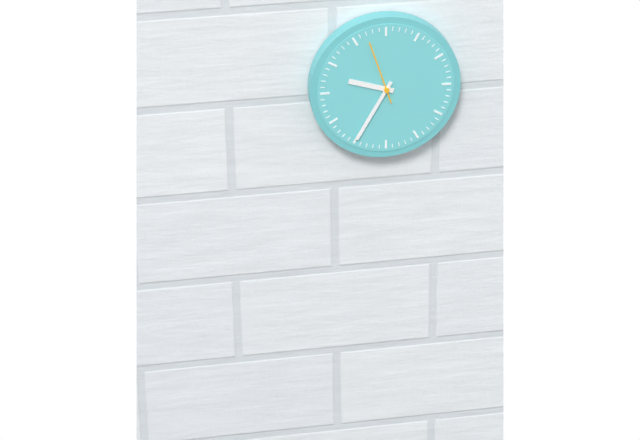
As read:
**9:35:57**
